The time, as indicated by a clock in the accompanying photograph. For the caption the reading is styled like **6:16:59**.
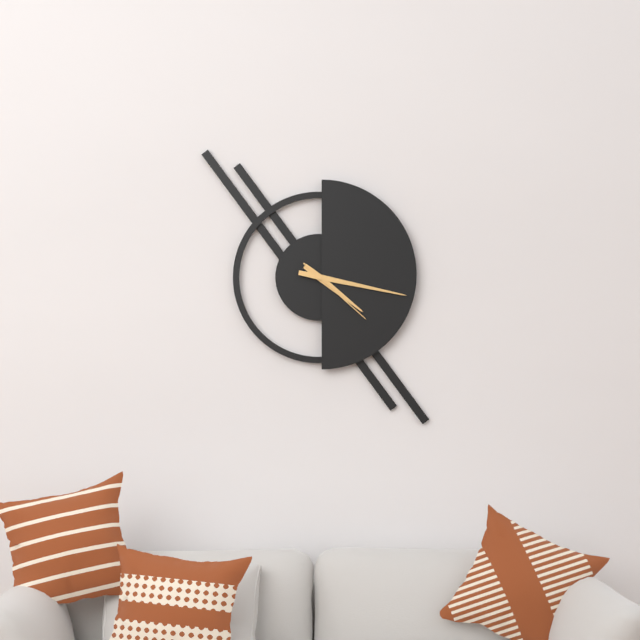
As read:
**4:17:22**
